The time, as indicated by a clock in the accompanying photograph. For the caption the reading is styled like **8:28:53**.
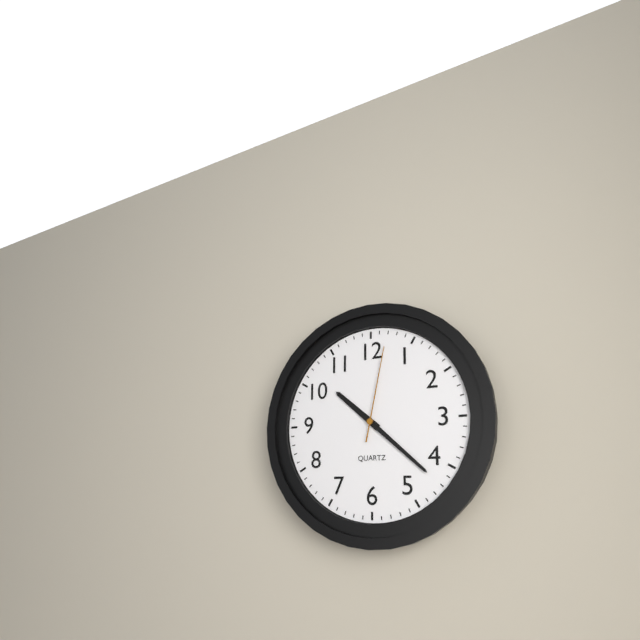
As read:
**10:22:02**
